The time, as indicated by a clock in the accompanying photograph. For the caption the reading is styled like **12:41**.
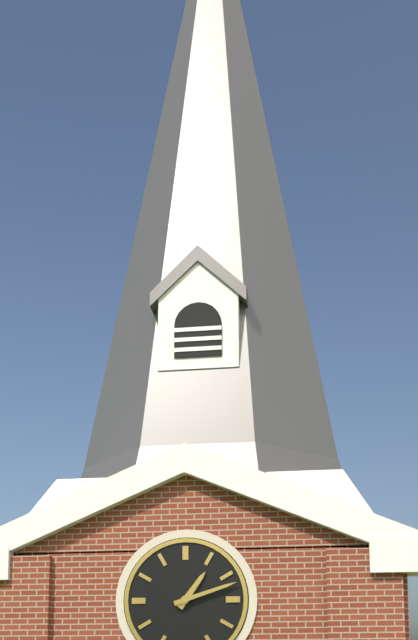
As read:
**1:12**
